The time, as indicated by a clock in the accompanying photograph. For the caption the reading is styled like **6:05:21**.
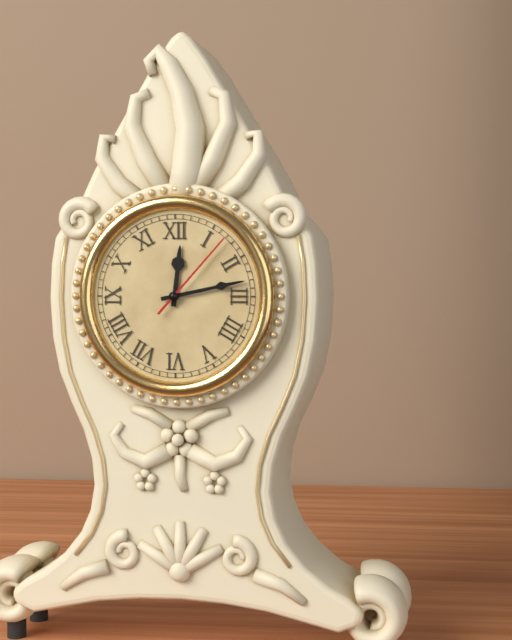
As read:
**12:13:07**
